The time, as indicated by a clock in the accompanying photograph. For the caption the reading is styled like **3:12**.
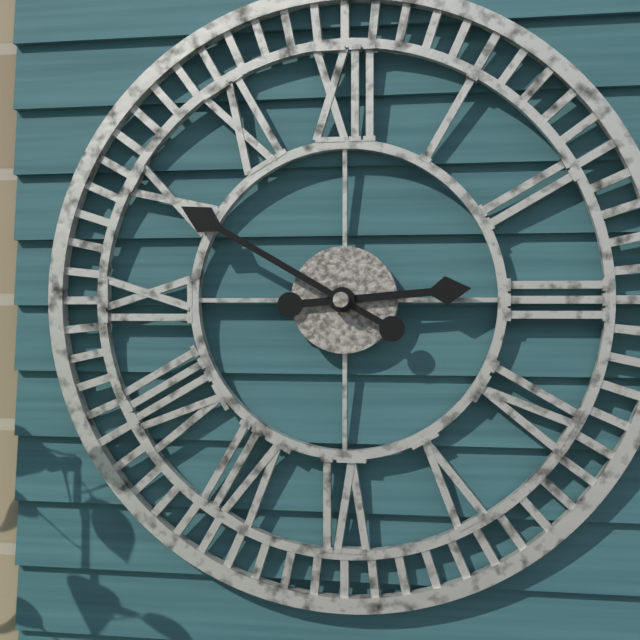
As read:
**2:50**
